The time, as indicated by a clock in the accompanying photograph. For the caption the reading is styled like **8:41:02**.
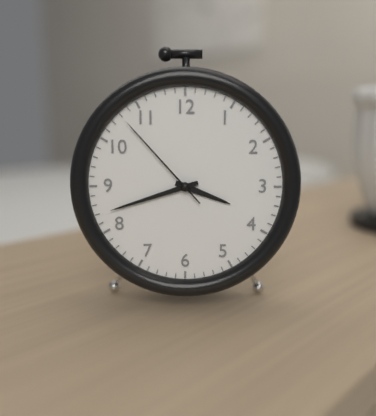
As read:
**3:42:53**
